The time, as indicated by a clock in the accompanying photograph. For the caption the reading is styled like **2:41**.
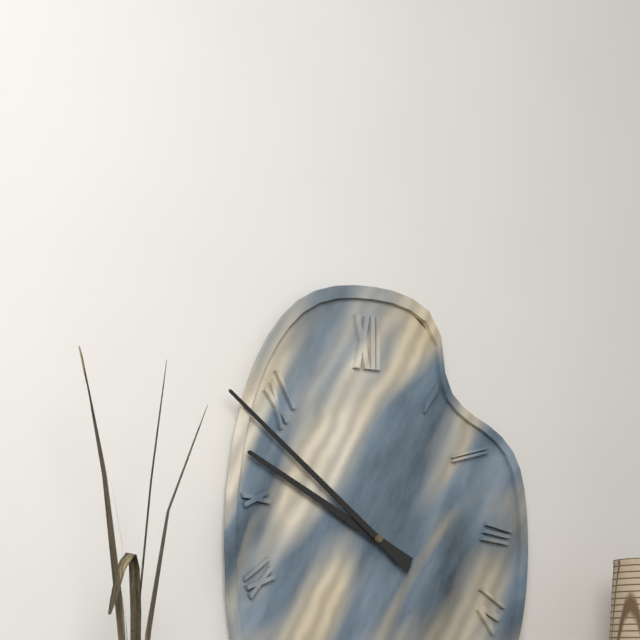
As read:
**9:51**
